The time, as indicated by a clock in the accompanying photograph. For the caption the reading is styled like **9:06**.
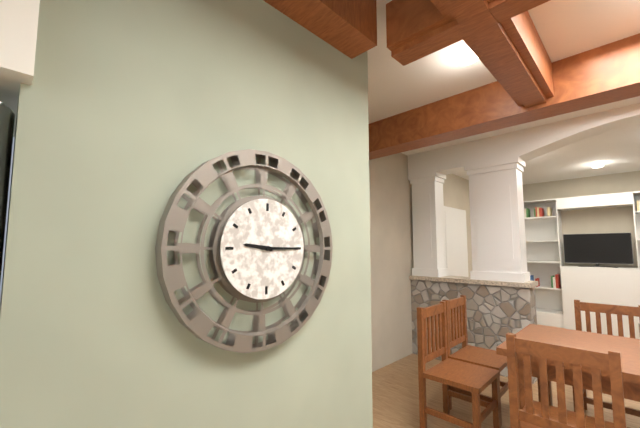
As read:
**9:15**
